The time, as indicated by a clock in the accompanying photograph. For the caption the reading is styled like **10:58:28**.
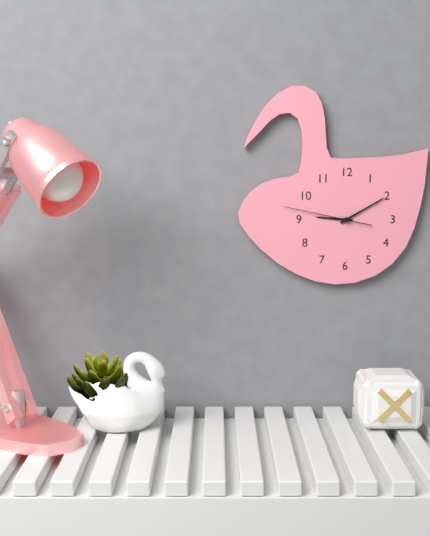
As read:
**9:10:47**
